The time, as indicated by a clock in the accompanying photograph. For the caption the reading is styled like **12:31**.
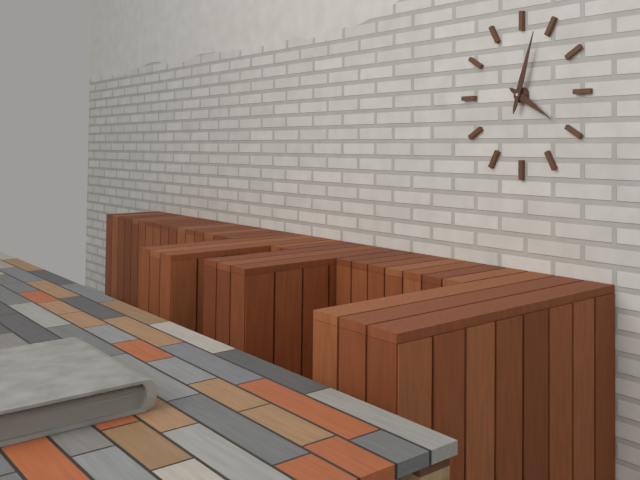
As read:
**4:03**
